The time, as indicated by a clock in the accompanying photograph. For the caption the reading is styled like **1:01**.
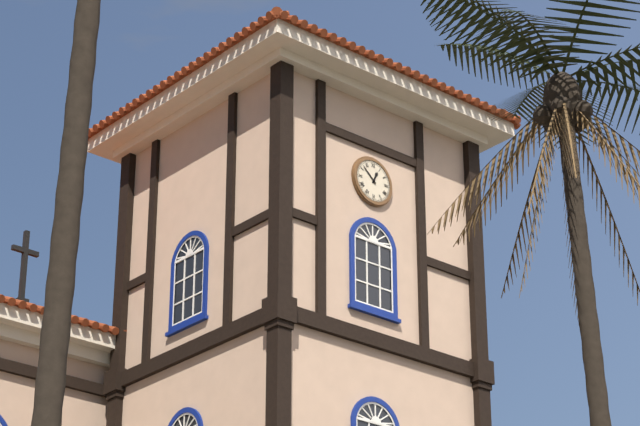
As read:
**12:52**
